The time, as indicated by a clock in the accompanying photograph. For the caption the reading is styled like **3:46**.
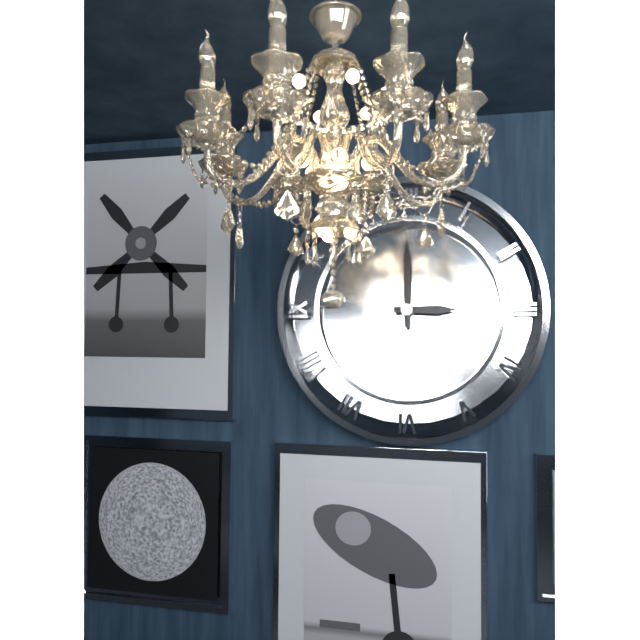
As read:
**3:00**
